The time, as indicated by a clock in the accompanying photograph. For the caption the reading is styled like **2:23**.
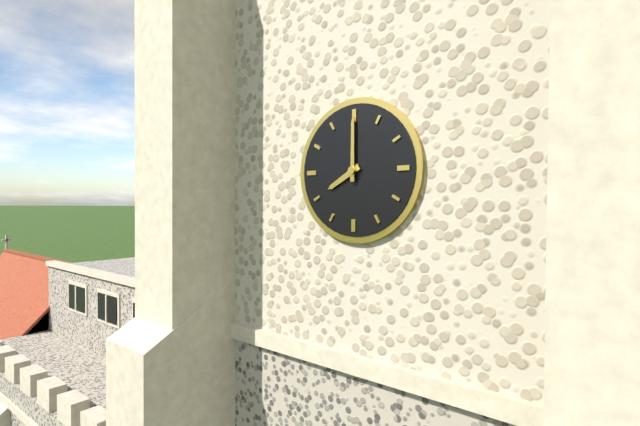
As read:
**8:00**
